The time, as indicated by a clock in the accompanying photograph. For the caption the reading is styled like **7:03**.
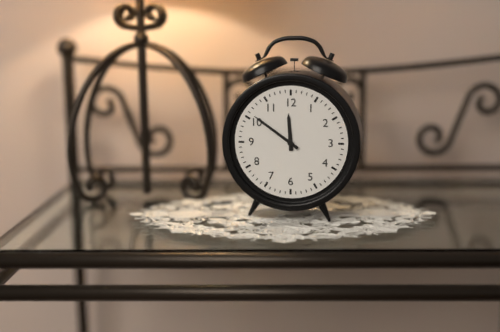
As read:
**11:51**
